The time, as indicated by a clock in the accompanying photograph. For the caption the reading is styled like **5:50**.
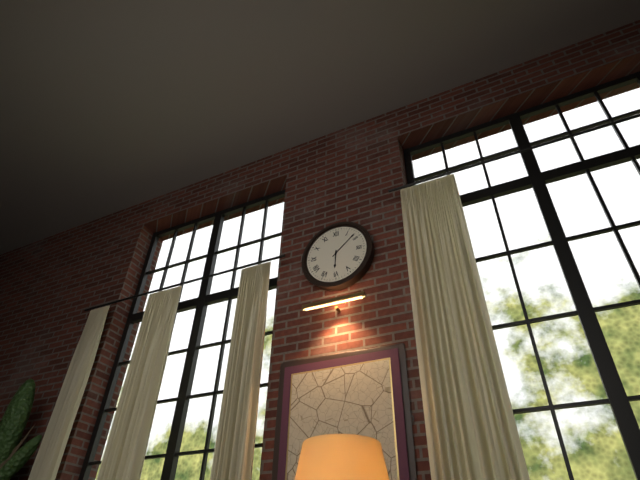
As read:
**6:08**
